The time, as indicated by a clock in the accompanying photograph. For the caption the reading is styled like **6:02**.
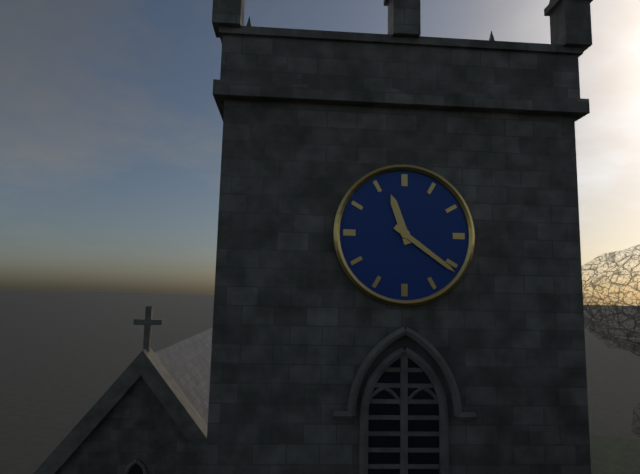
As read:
**11:21**
